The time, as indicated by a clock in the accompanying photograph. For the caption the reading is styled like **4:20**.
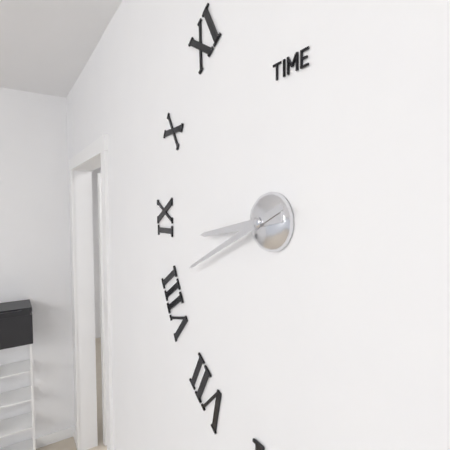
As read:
**8:41**
